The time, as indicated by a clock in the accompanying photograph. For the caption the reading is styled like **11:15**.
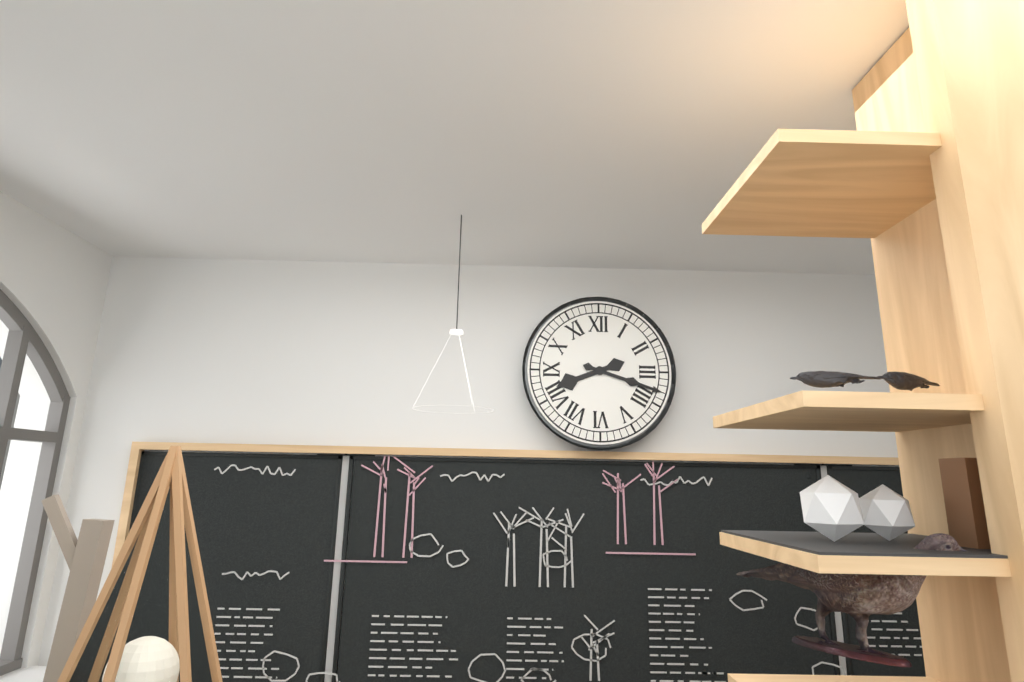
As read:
**8:18**
